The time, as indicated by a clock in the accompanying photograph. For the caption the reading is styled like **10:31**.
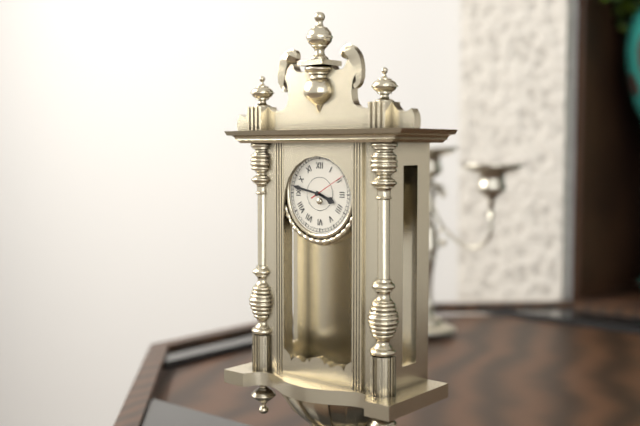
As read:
**3:47**
